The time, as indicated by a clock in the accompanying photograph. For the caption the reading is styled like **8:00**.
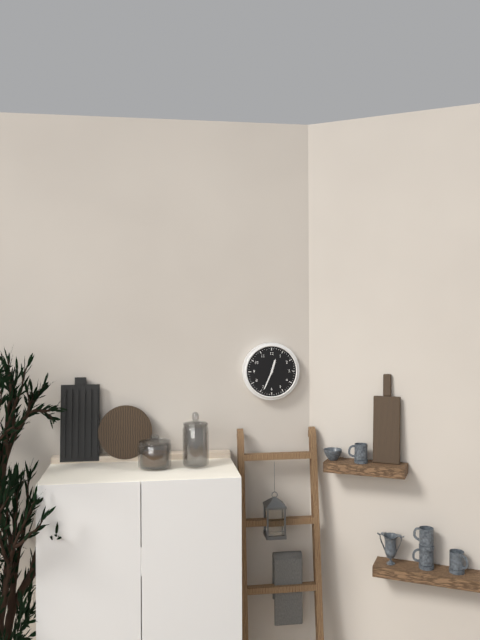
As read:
**12:34**
